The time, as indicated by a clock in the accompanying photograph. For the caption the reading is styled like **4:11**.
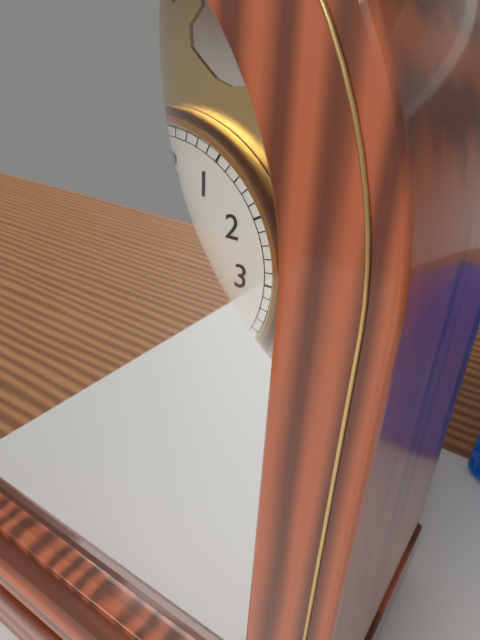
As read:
**7:37**
